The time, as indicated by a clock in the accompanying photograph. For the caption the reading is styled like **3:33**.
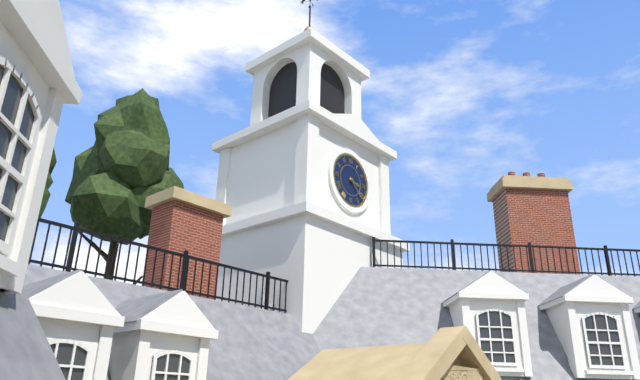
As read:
**3:22**
